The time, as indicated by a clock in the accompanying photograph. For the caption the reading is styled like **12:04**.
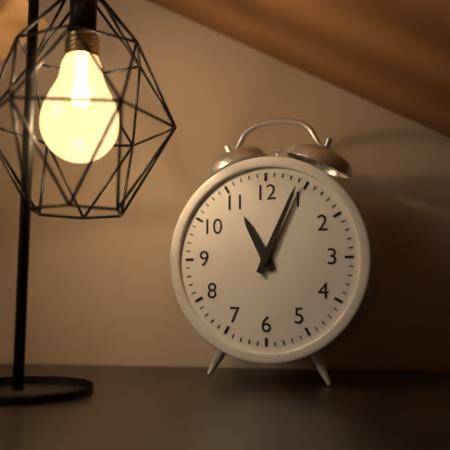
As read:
**11:04**
